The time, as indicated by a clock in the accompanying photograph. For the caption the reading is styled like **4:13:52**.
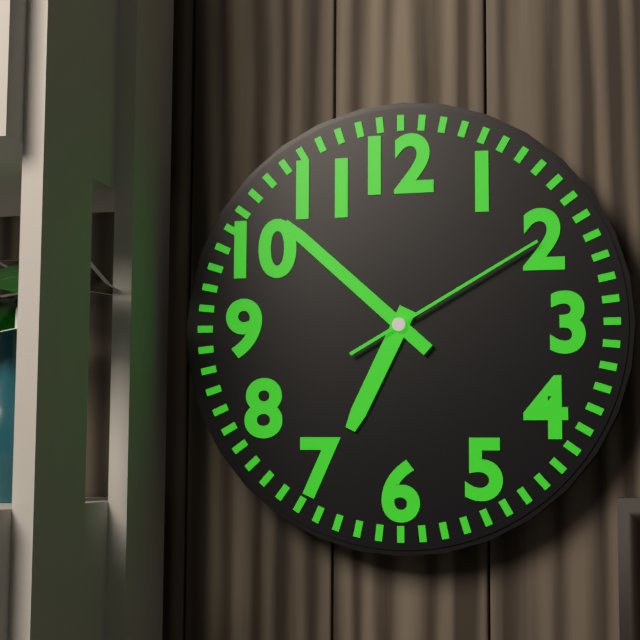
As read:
**6:52:10**
